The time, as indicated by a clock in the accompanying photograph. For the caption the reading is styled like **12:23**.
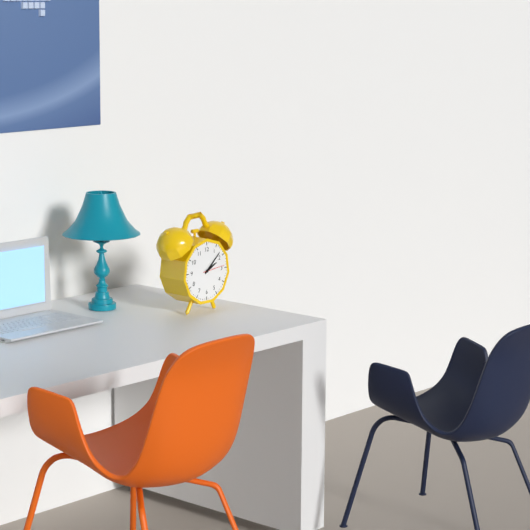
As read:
**2:08**
